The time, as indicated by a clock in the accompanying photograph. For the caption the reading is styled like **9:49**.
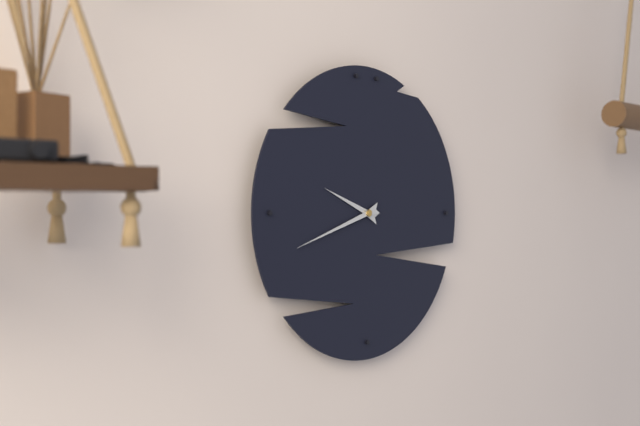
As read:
**9:42**
